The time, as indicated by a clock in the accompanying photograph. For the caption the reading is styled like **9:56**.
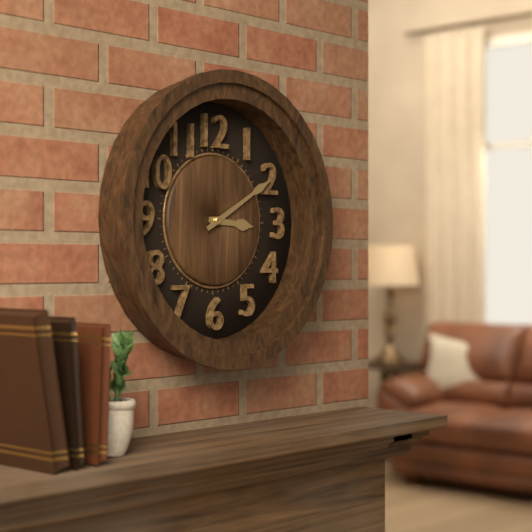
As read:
**3:10**
